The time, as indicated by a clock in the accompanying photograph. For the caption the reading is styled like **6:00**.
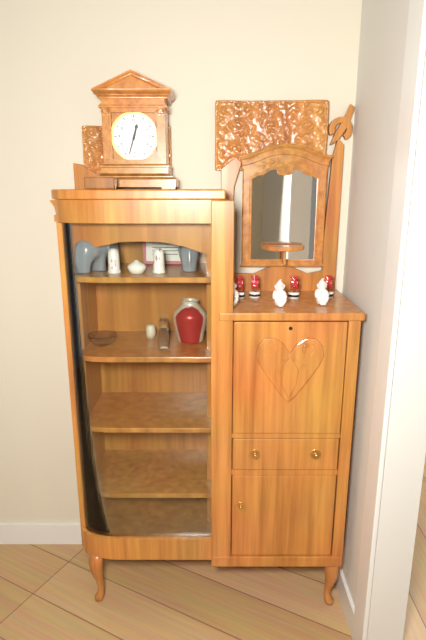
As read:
**12:33**
